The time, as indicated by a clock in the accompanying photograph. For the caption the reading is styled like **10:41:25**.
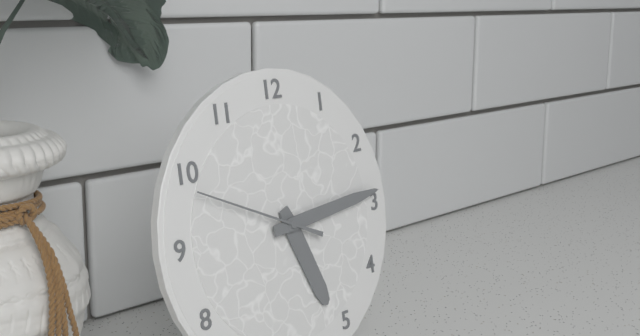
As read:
**5:14:49**
